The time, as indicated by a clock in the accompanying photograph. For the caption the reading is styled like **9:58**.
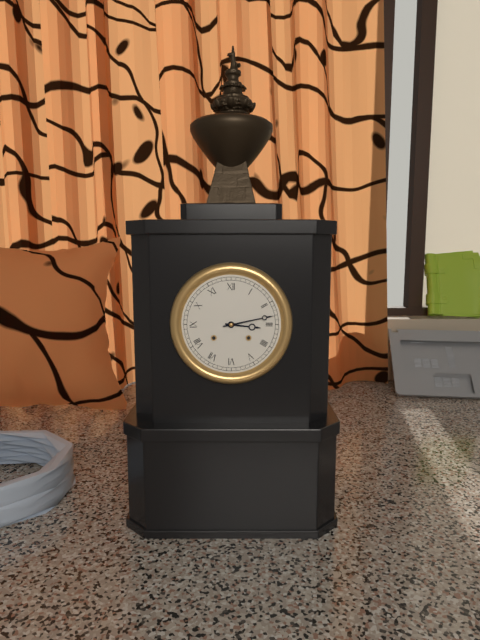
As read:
**3:13**
